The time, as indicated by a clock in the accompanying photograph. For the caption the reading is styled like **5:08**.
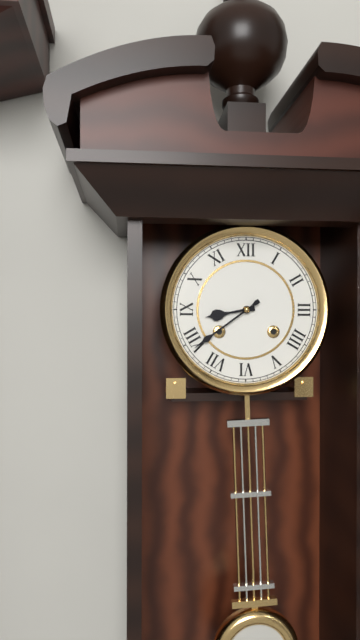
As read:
**8:39**
